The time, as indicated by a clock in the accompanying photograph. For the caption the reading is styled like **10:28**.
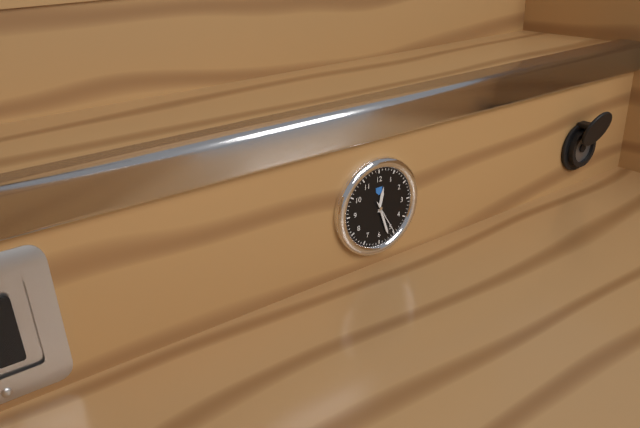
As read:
**12:27**
